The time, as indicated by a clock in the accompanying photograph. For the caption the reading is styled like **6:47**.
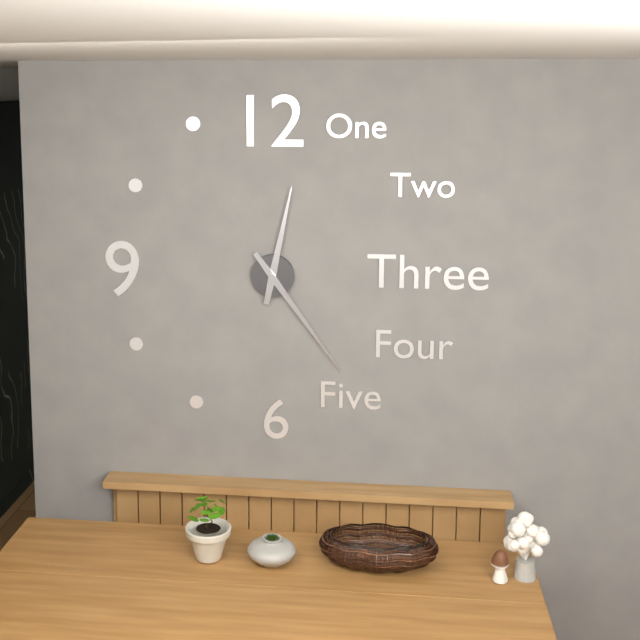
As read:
**12:24**
